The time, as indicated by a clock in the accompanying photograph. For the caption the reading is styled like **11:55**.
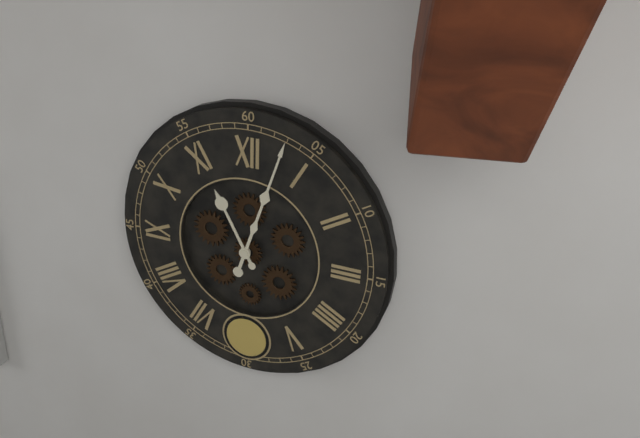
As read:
**11:03**
